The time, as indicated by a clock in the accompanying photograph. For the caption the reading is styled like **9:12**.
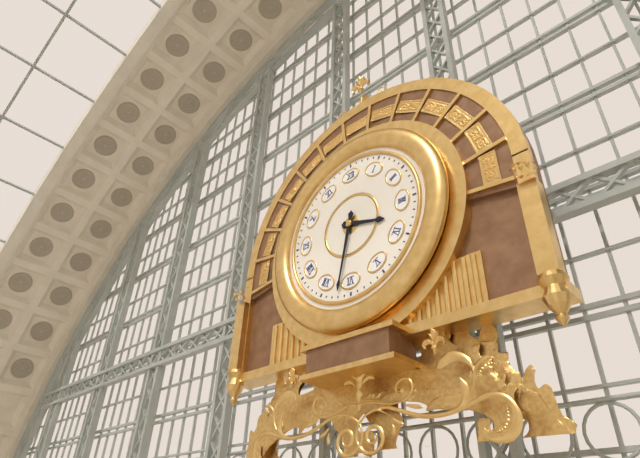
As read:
**3:32**
